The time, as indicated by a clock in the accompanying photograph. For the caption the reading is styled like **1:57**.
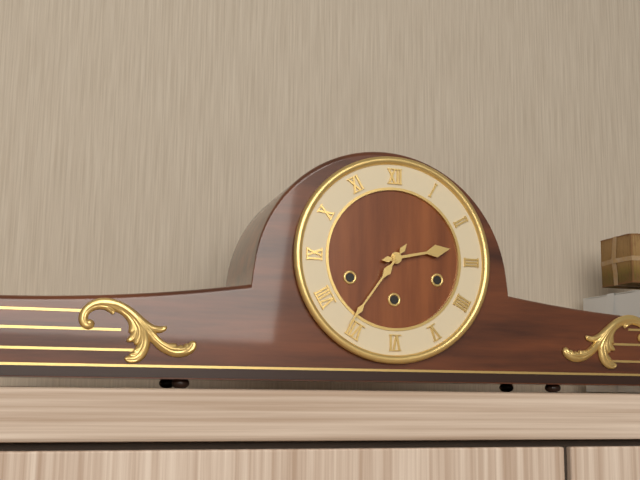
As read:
**2:36**
